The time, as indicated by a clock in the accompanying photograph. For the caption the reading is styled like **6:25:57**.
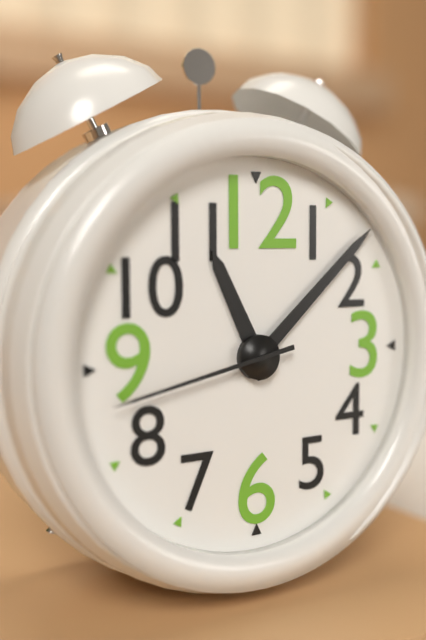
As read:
**11:08:43**
